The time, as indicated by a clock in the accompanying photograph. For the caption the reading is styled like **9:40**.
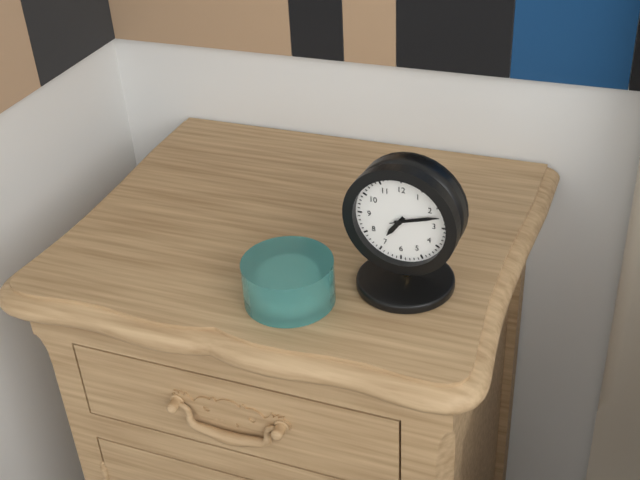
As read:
**7:12**
